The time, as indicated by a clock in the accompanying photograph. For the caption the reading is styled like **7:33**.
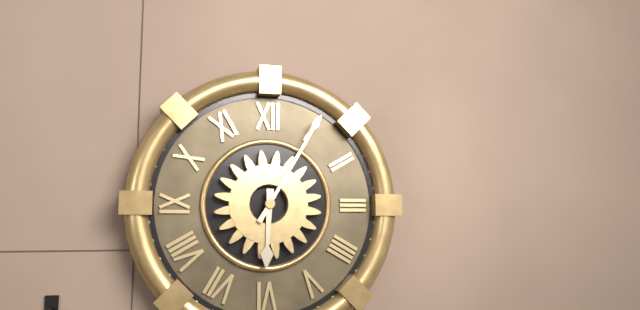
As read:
**6:05**
